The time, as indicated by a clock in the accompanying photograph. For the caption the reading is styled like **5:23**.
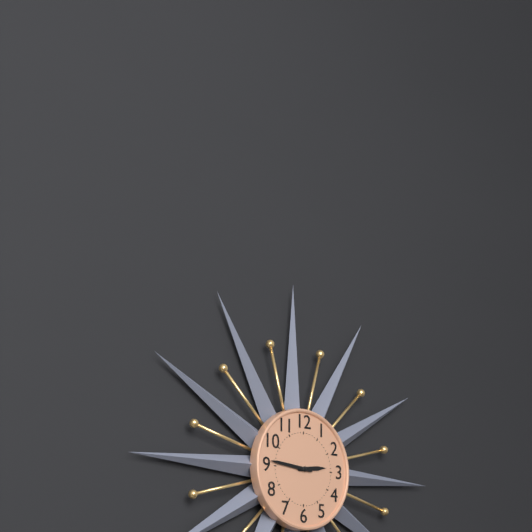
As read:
**2:46**
